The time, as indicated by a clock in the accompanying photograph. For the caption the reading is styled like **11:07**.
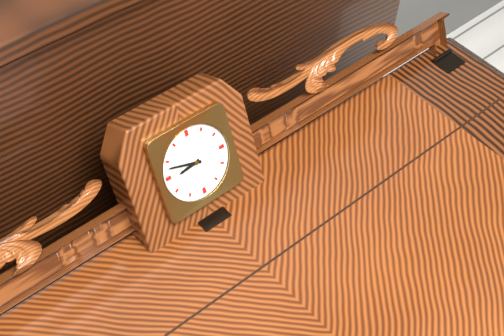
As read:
**8:48**
